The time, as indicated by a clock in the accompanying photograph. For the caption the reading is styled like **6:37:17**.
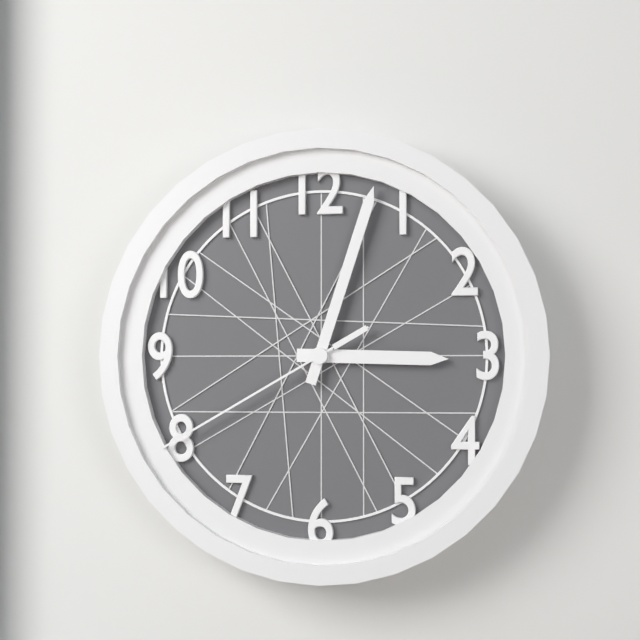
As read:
**3:03:40**
